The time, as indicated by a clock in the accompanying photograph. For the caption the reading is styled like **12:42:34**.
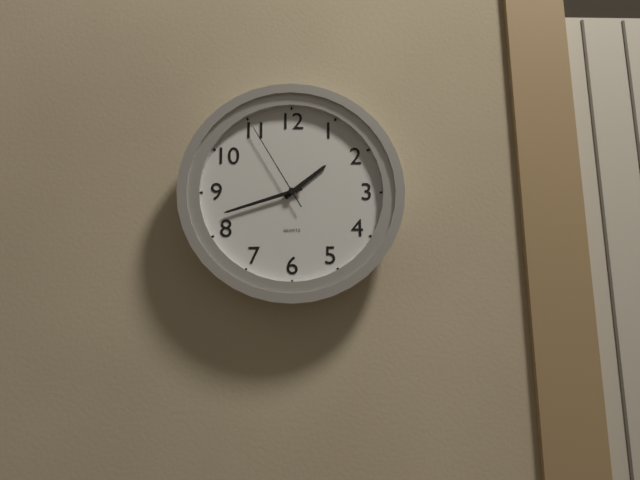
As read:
**1:42:55**
